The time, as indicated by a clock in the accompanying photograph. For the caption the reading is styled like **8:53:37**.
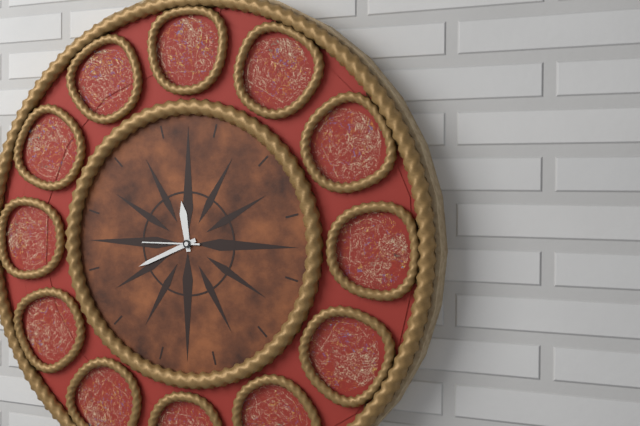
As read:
**11:41:45**
